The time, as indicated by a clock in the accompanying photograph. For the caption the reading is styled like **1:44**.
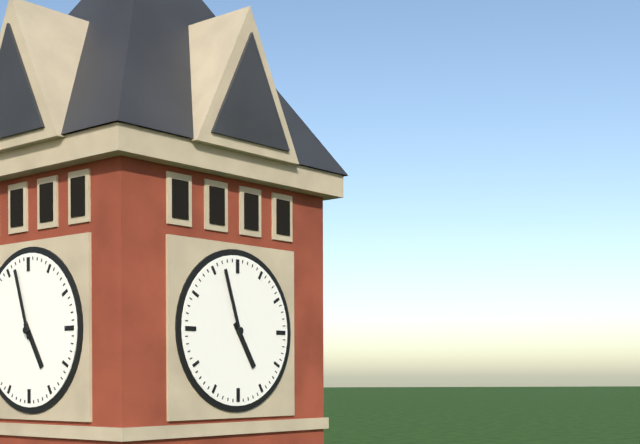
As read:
**4:57**
